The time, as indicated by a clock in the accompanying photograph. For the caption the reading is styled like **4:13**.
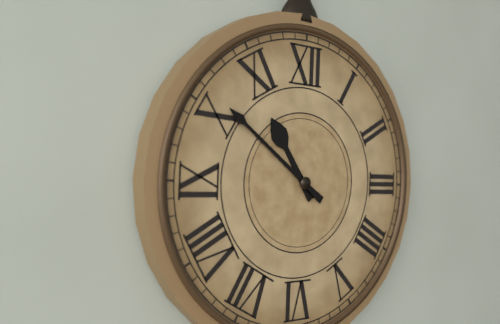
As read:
**10:51**
